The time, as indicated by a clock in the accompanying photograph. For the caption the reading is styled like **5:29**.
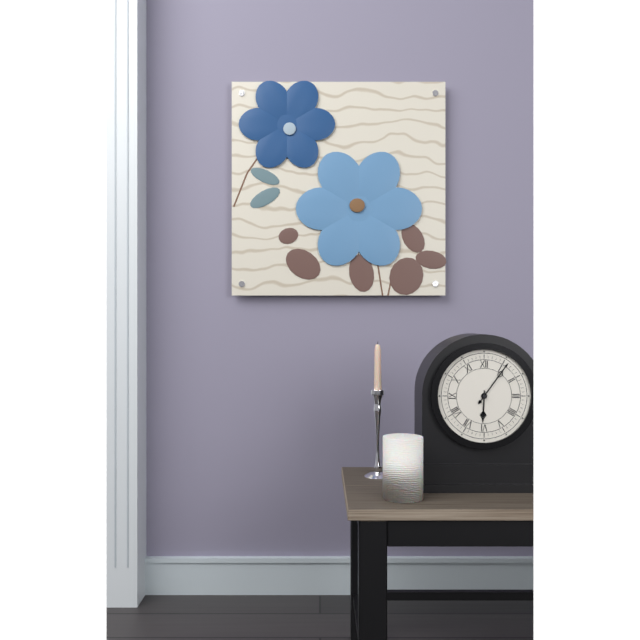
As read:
**6:06**
